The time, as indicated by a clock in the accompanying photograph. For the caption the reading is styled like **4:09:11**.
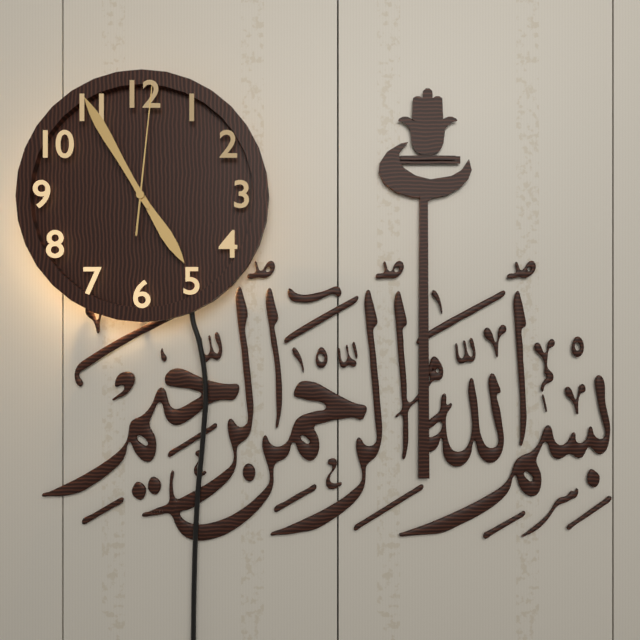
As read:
**4:55:01**
